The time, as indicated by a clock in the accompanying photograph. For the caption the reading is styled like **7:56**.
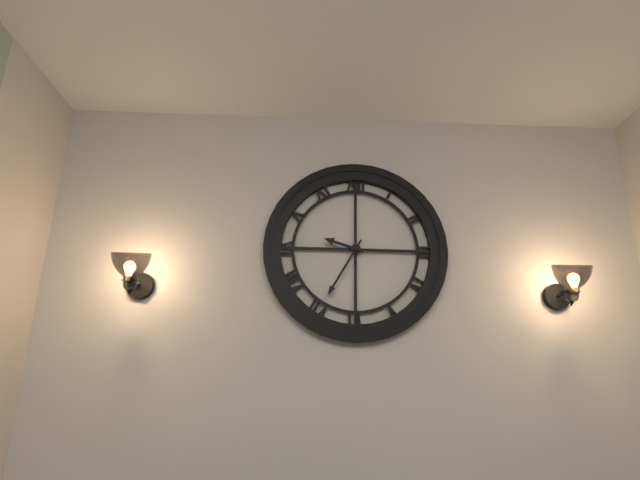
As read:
**9:35**
